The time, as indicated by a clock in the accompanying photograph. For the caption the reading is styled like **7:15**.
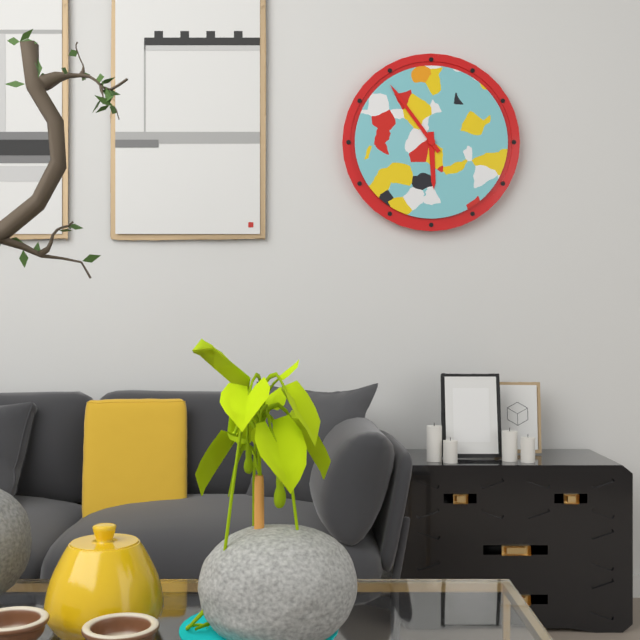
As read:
**5:54**
